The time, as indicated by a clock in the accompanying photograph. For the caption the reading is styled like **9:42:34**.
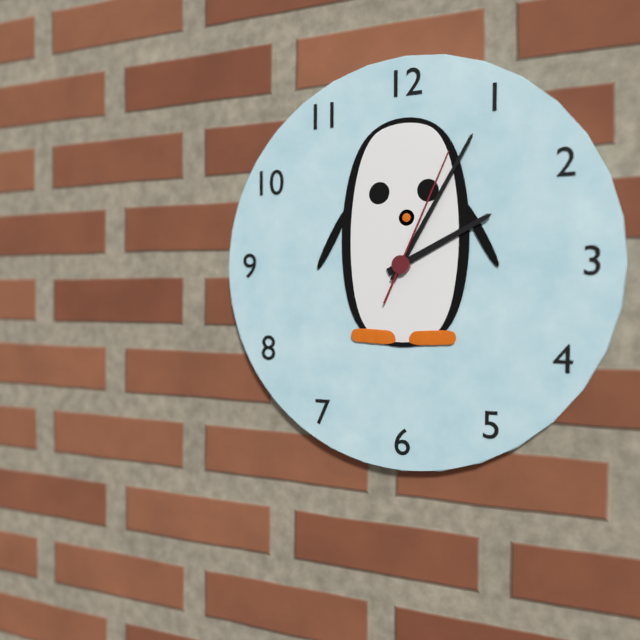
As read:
**2:05:04**
